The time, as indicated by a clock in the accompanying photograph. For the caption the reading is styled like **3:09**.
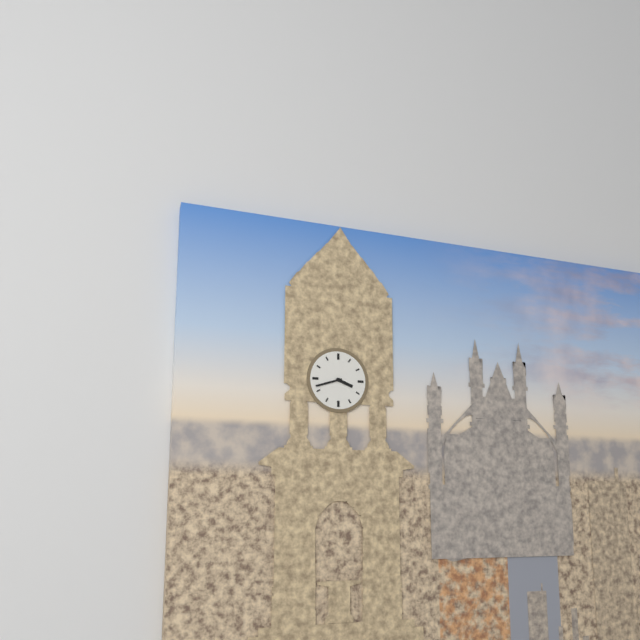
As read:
**3:42**
